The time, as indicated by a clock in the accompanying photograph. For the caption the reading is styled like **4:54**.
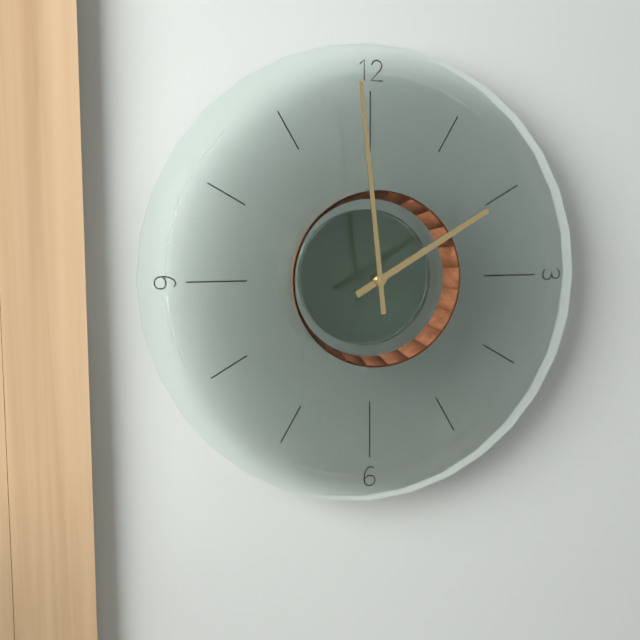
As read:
**1:59**
